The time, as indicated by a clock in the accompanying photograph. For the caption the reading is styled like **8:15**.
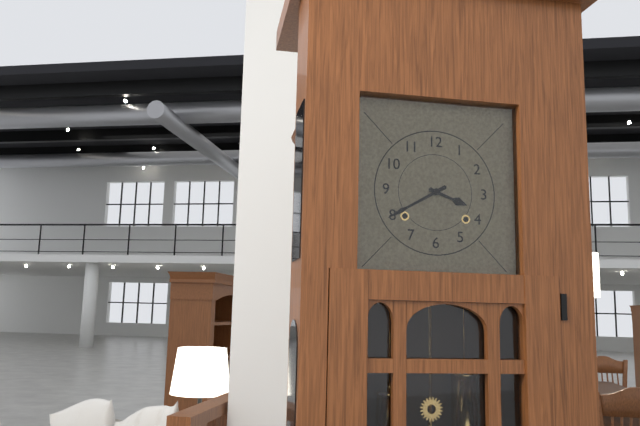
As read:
**3:40**
